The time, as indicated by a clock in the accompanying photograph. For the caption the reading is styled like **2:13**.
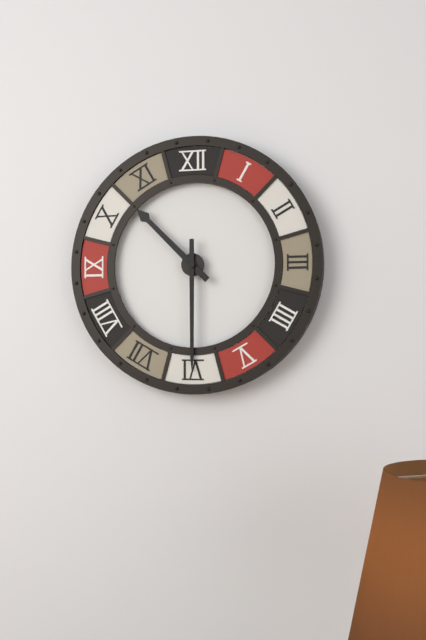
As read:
**10:30**
